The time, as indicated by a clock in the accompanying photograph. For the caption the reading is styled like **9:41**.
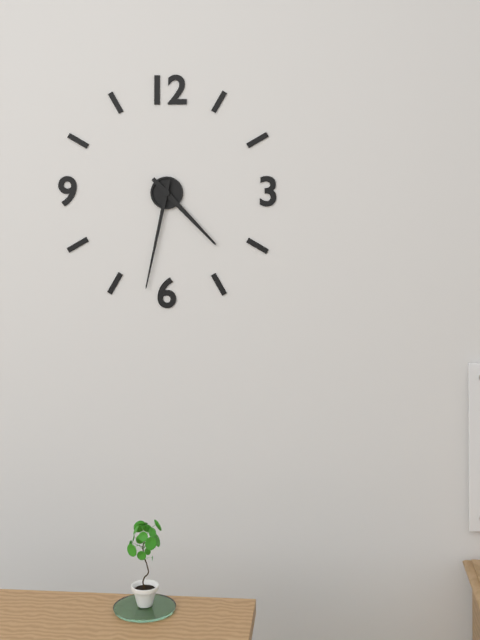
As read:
**4:32**
